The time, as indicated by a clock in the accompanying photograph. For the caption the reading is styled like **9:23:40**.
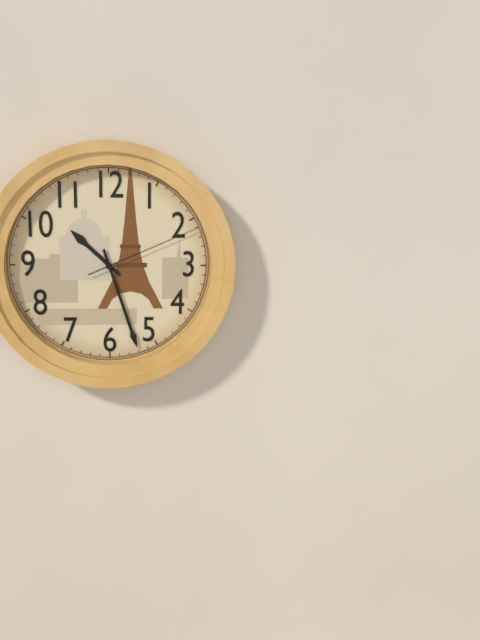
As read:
**10:27:11**
